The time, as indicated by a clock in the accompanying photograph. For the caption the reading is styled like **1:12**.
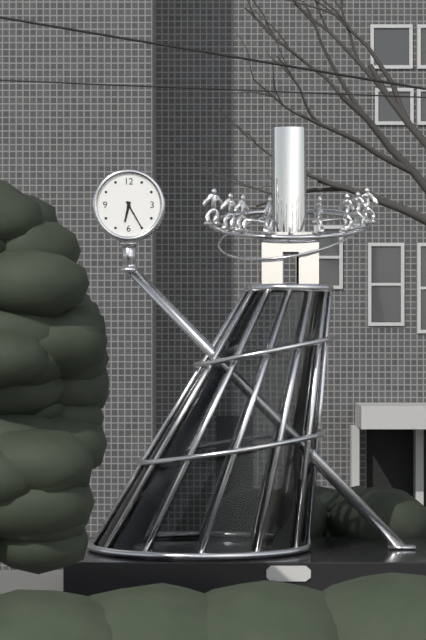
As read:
**6:25**
